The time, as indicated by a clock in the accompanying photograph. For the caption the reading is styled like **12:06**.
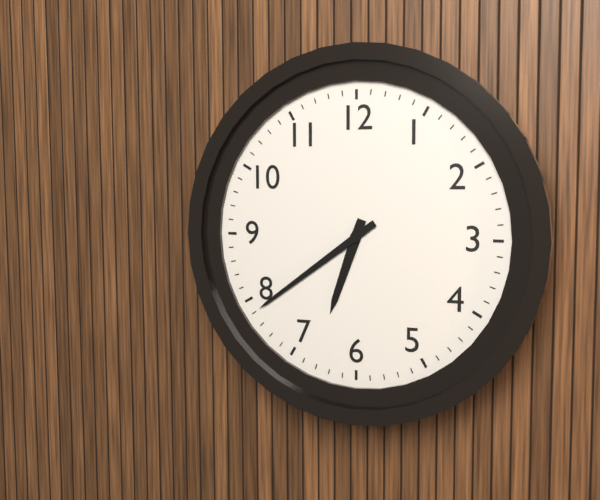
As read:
**6:39**
